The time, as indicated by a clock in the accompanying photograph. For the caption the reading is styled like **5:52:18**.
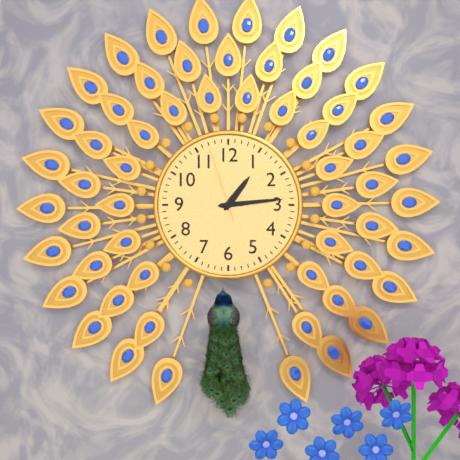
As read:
**1:14:57**
